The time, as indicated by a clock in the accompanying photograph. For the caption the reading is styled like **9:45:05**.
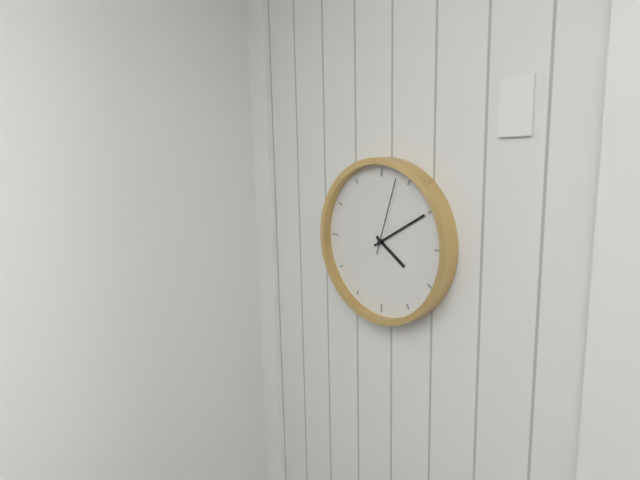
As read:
**4:10:03**
